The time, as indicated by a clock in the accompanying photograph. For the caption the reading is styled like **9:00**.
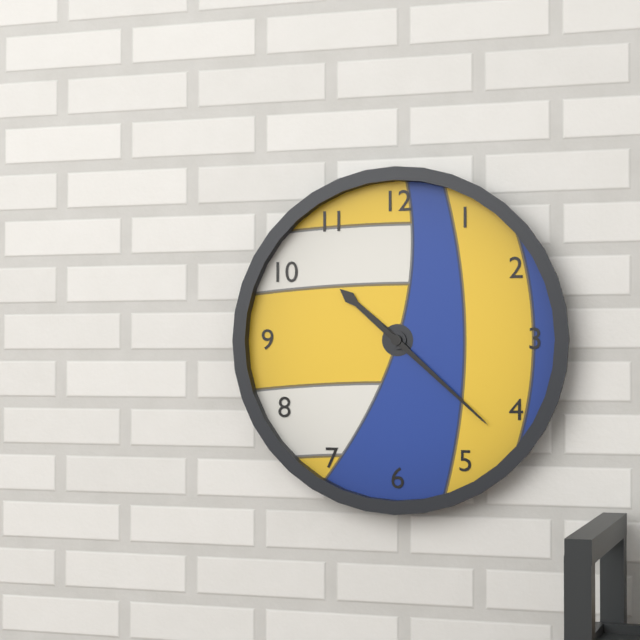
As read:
**10:22**
